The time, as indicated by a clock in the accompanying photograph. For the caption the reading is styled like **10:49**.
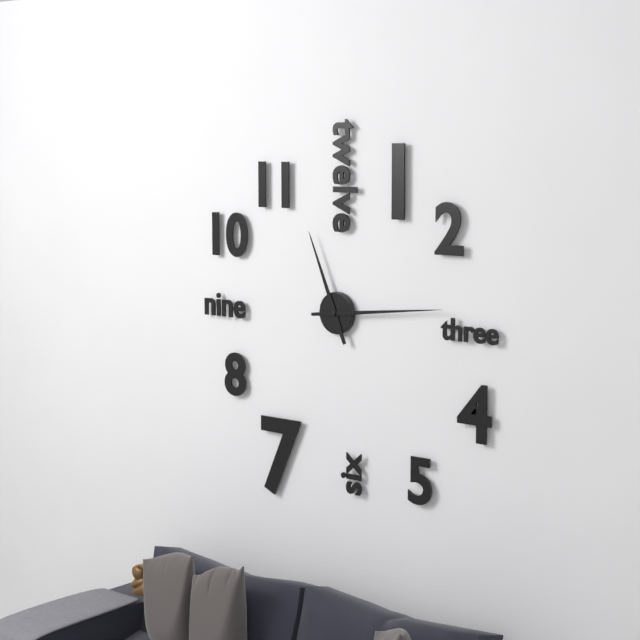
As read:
**11:14**
